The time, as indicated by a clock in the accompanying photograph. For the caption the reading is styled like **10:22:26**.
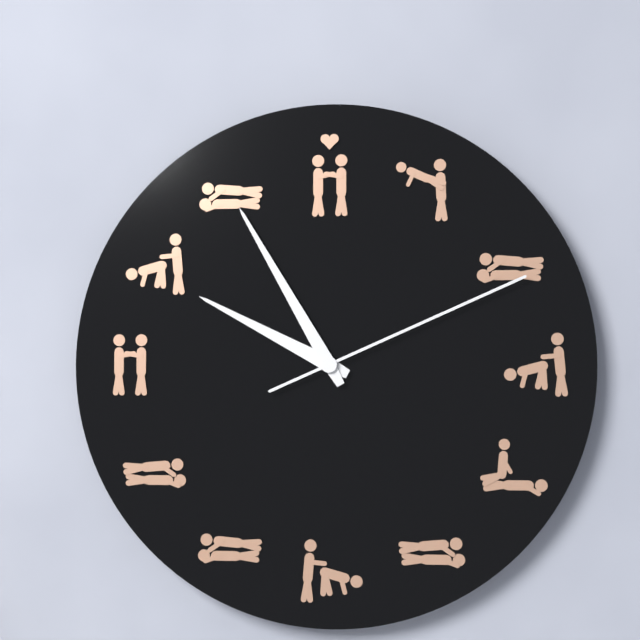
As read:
**9:55:11**
